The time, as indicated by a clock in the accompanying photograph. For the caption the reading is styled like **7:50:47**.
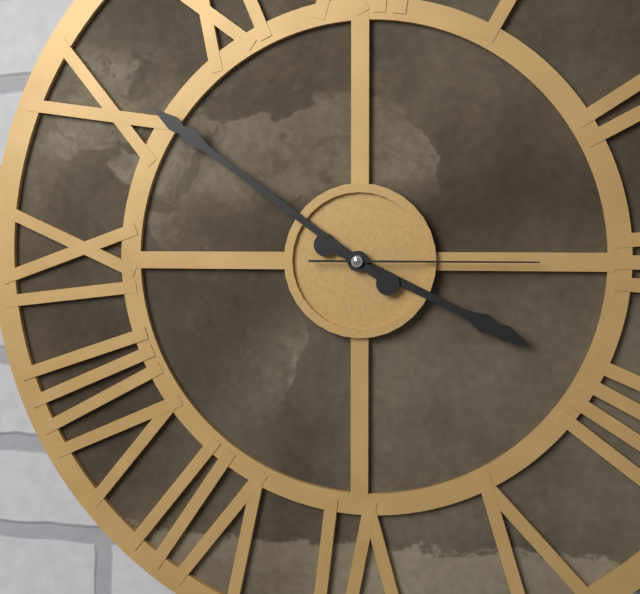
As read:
**3:51:15**
